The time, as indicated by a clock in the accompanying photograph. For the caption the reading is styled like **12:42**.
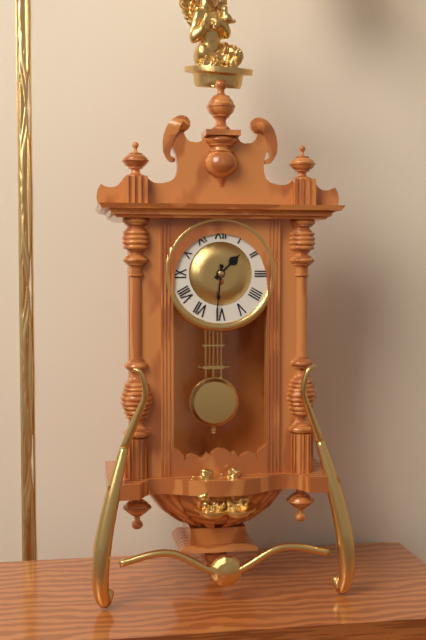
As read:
**1:31**
